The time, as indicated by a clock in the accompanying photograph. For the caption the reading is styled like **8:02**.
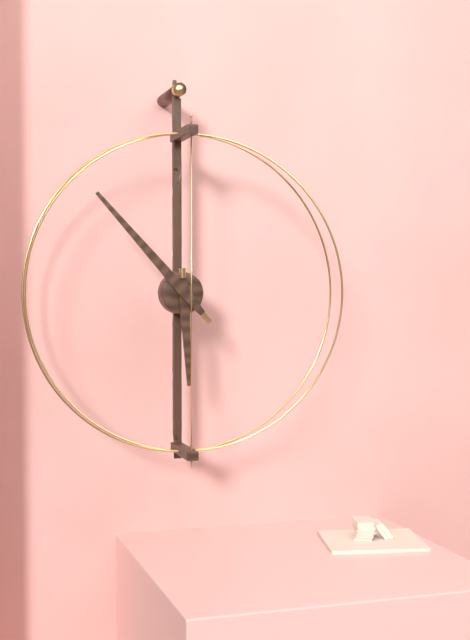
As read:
**5:53**
